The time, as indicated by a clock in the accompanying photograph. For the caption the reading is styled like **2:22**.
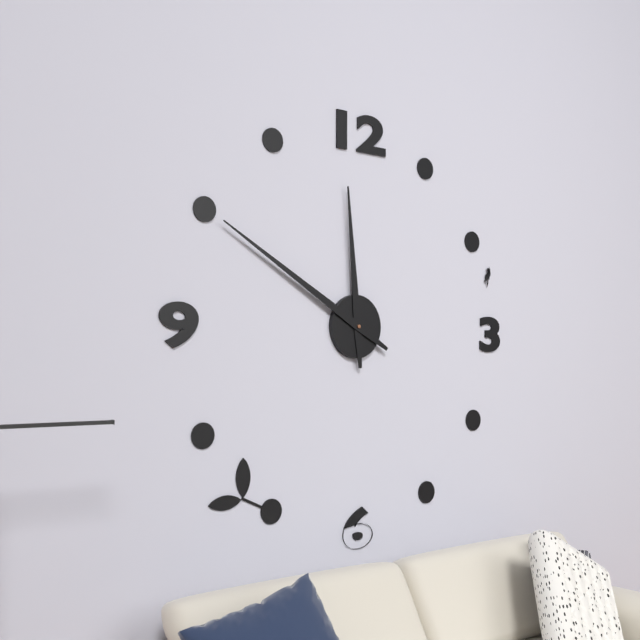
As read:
**11:50**
